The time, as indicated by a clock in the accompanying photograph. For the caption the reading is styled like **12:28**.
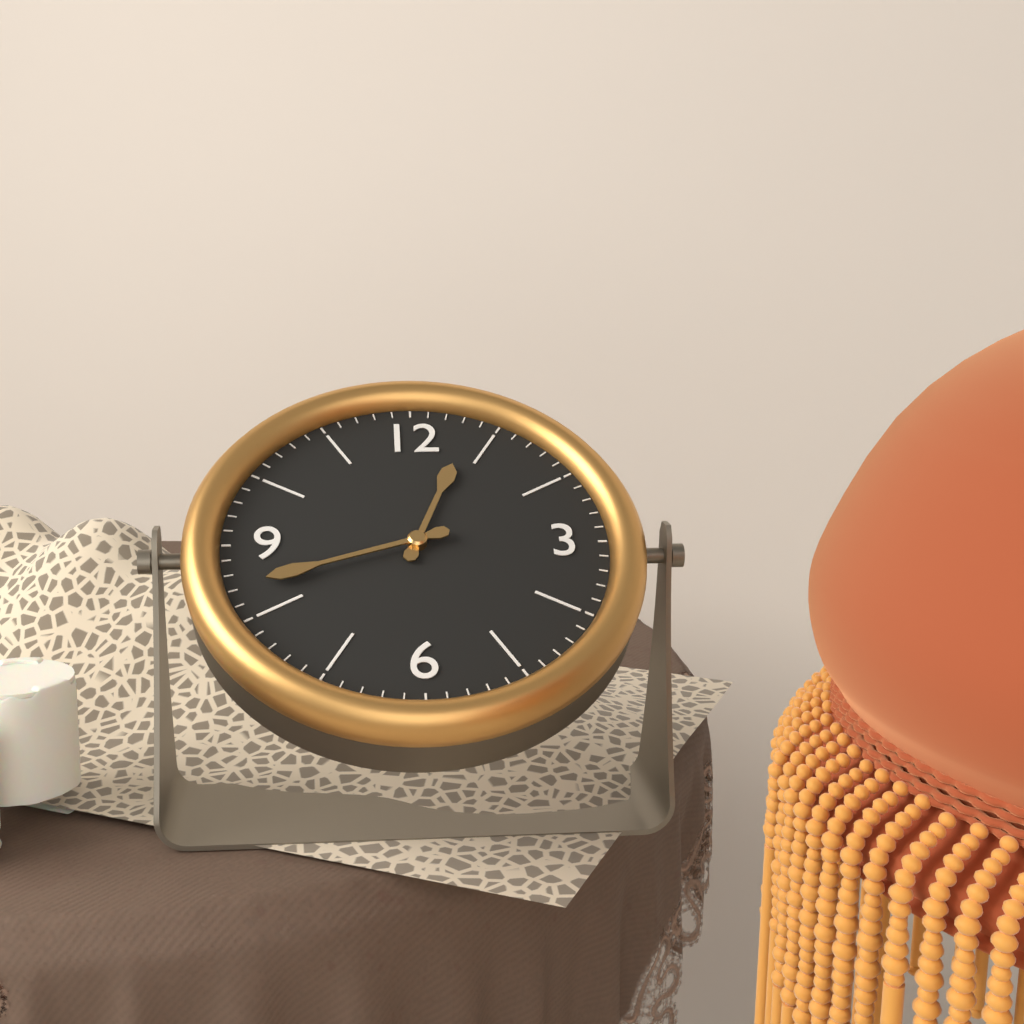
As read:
**12:42**
